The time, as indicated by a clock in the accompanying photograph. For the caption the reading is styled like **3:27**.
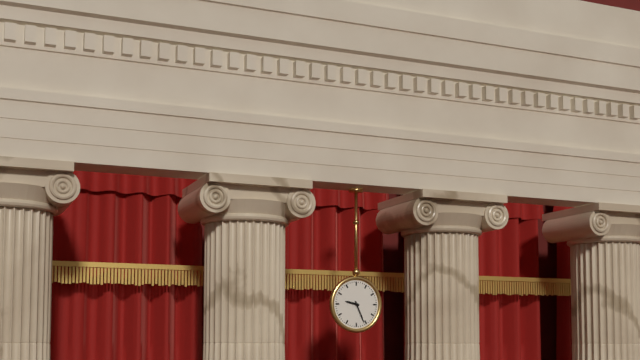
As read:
**9:26**
